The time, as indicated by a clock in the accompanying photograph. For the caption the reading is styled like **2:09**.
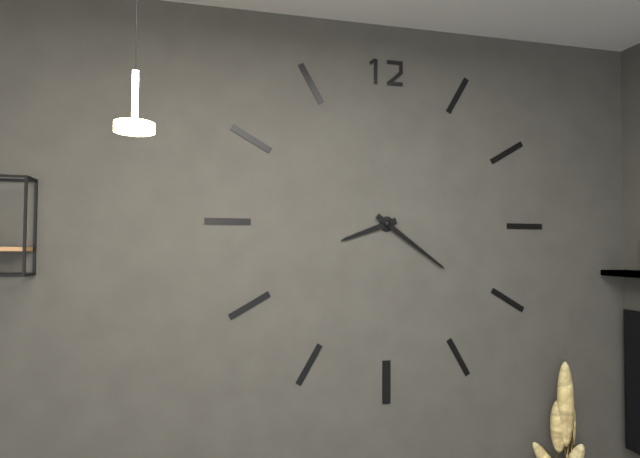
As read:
**8:21**
